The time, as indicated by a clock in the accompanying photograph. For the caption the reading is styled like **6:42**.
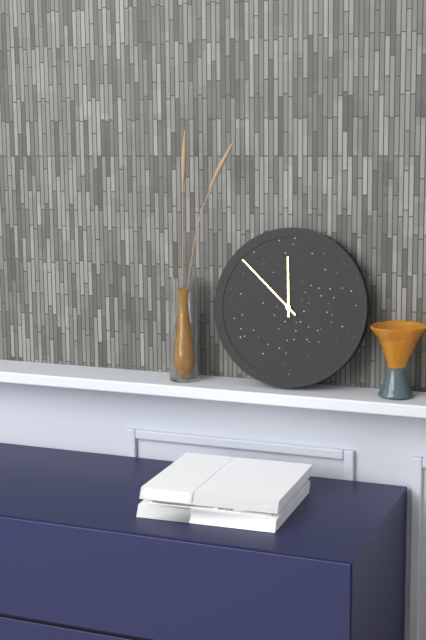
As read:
**11:52**
